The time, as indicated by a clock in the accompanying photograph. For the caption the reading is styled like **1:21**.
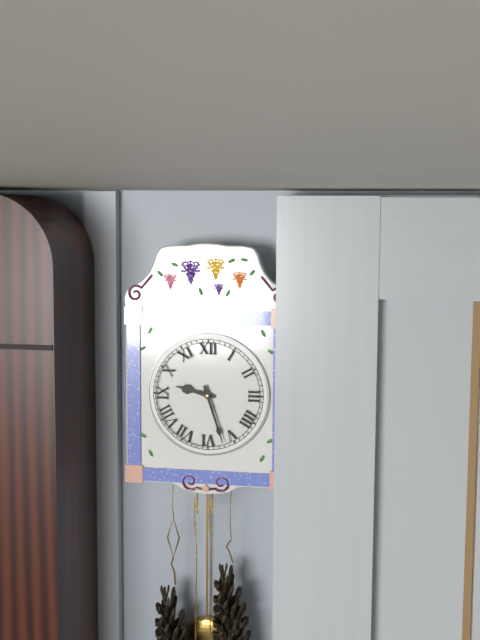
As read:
**9:27**
